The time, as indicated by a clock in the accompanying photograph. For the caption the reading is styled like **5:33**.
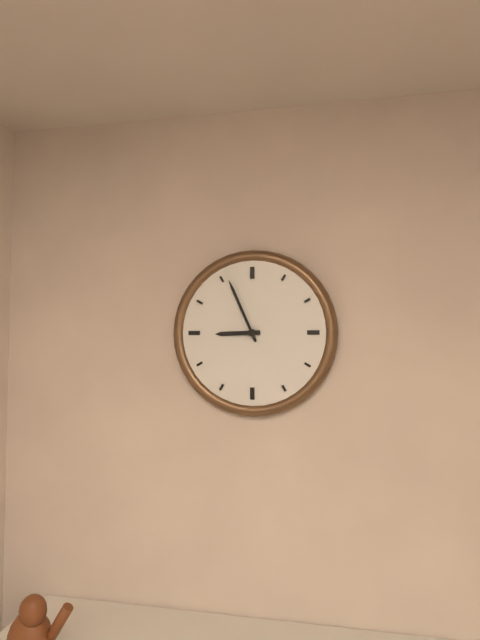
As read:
**8:56**
